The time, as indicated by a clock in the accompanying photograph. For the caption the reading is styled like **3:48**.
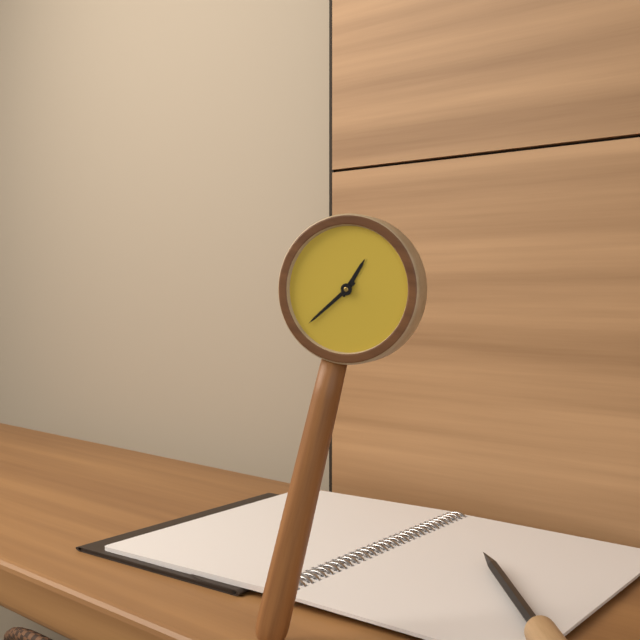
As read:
**12:36**
